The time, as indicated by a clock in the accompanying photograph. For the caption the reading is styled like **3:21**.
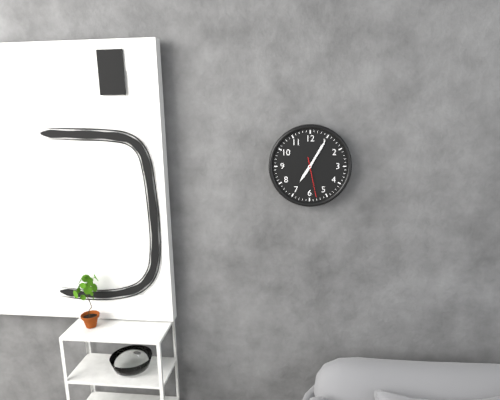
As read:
**7:05**
